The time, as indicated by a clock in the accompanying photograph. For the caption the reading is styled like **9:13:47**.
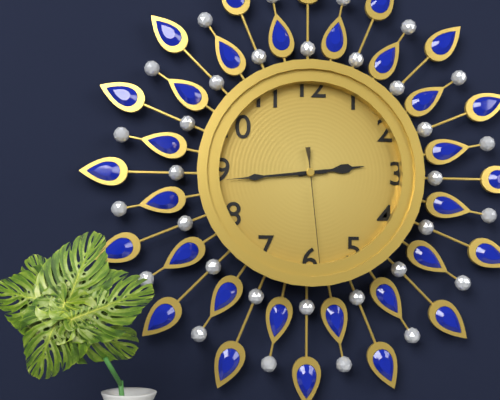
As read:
**2:44:29**
